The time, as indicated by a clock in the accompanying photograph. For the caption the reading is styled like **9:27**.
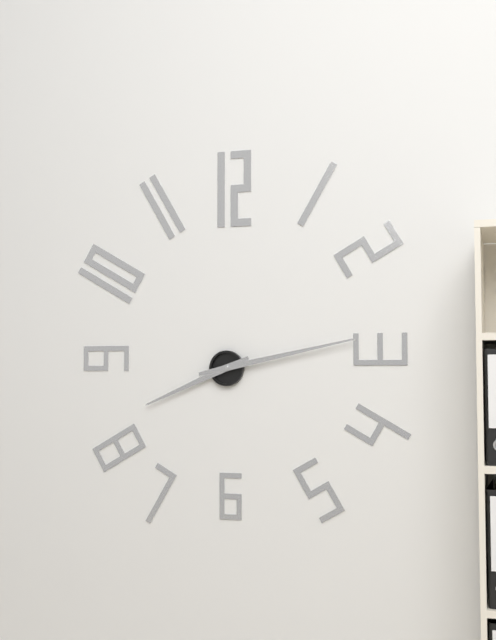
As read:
**8:13**
